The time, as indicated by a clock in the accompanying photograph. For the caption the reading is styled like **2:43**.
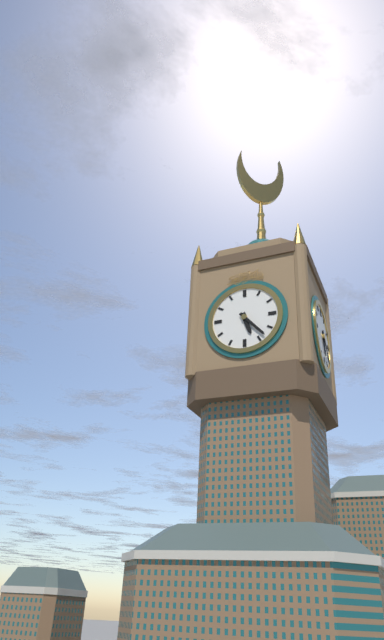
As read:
**5:23**
